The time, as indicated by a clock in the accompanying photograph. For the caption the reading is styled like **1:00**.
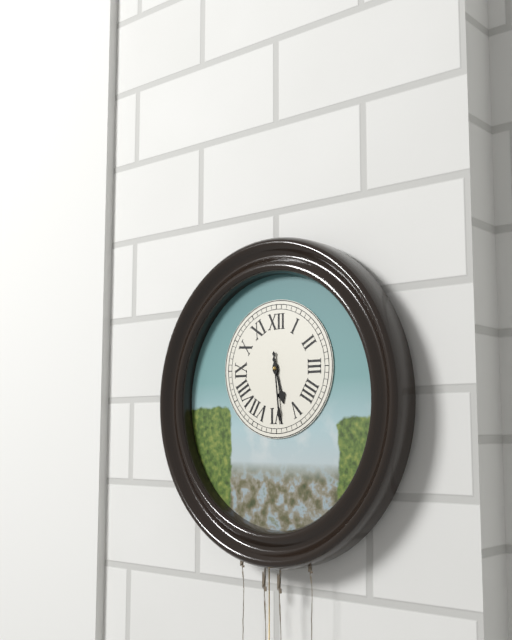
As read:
**5:29**
